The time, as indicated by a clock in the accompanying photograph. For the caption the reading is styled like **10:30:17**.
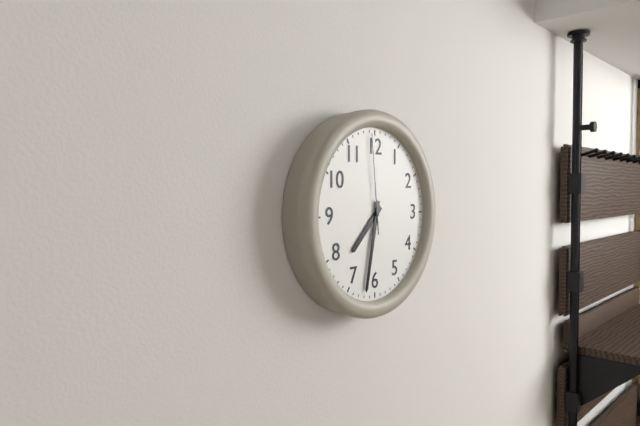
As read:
**7:32:59**
